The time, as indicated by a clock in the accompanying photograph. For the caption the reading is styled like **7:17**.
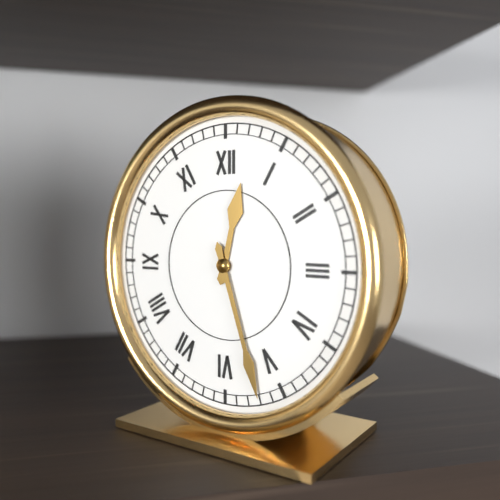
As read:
**12:27**
